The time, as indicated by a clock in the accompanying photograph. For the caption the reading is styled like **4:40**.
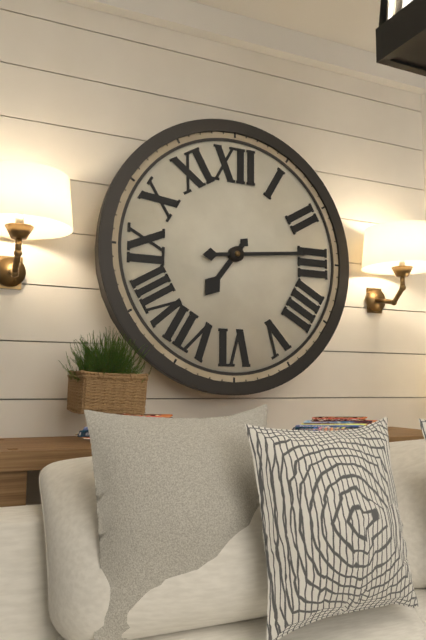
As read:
**7:14**
